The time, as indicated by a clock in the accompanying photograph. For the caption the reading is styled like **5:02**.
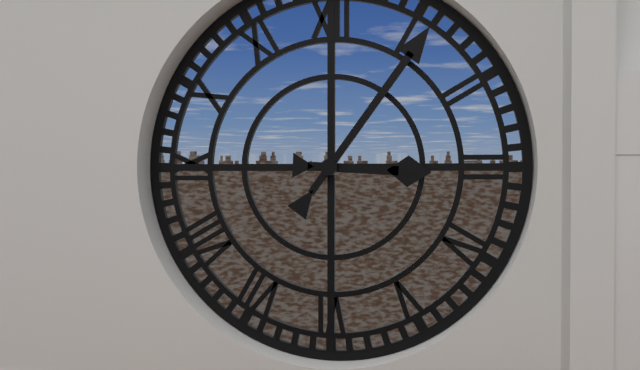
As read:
**3:06**
